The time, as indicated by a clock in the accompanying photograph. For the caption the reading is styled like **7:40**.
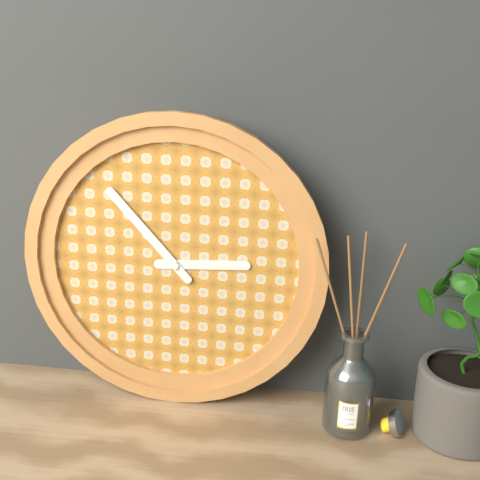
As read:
**2:53**
